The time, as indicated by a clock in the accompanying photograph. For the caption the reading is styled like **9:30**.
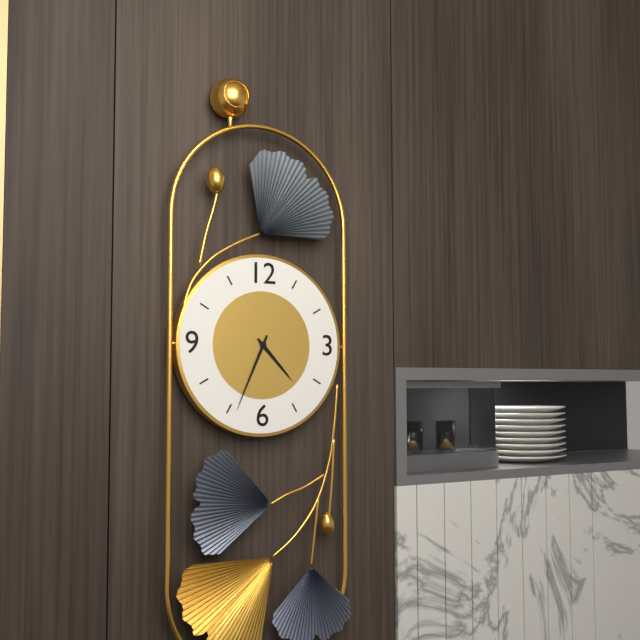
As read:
**4:34**
